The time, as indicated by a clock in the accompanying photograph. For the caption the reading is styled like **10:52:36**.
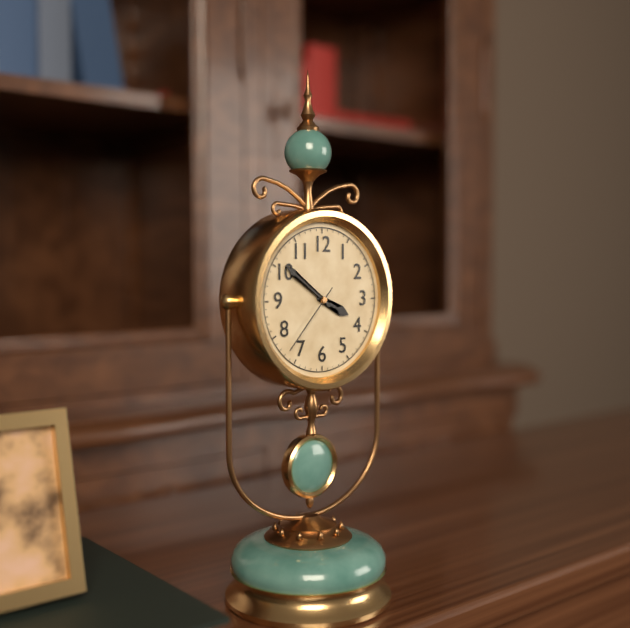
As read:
**3:51:37**
